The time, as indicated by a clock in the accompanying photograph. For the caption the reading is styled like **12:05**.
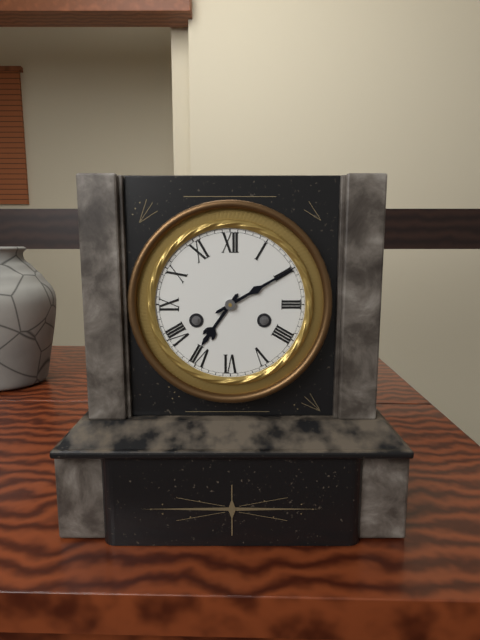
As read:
**7:10**
